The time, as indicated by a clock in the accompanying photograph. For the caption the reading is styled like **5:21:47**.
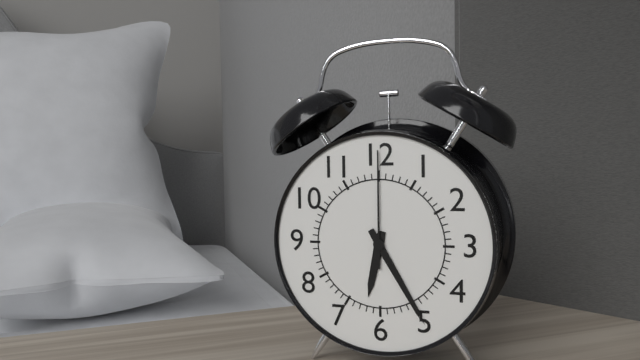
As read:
**6:25:00**
